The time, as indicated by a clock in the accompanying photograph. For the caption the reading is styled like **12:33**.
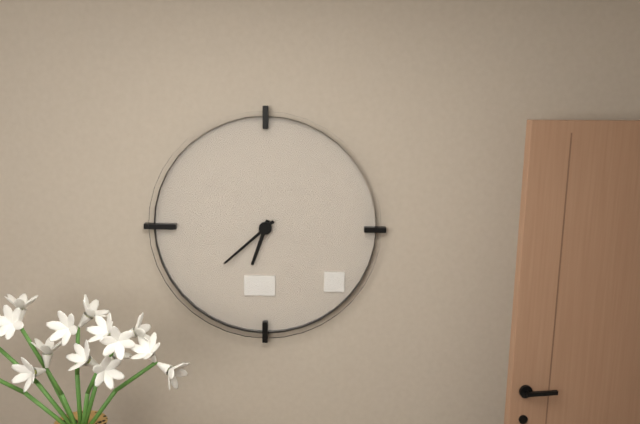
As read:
**6:38**
